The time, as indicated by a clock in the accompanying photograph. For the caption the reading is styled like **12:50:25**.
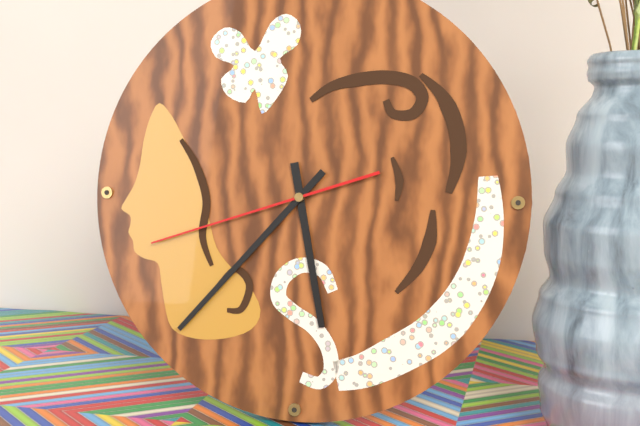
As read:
**5:37:42**
